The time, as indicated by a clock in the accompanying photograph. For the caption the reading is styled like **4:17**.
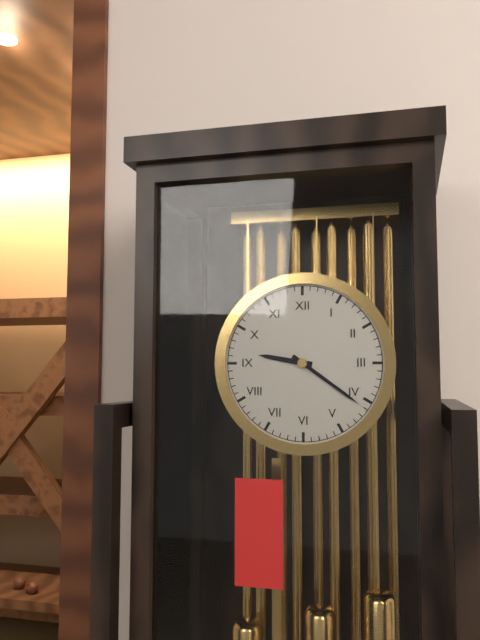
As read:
**9:21**
